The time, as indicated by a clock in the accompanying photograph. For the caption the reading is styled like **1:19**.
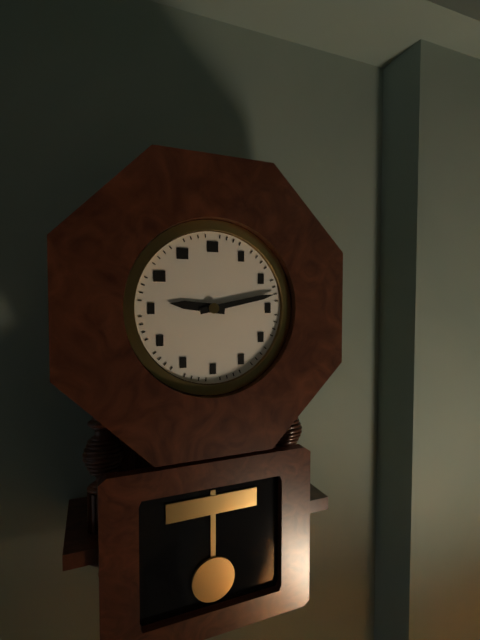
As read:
**9:13**
